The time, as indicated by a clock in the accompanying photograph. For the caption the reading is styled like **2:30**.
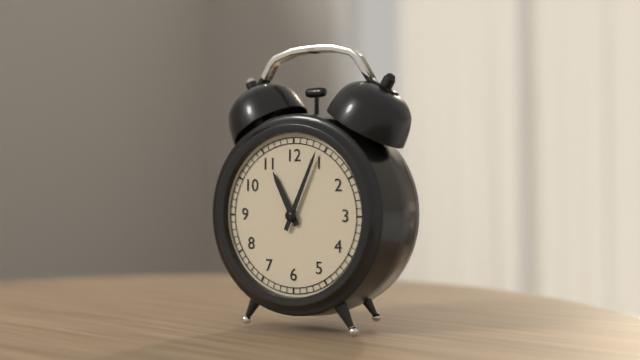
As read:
**11:04**
